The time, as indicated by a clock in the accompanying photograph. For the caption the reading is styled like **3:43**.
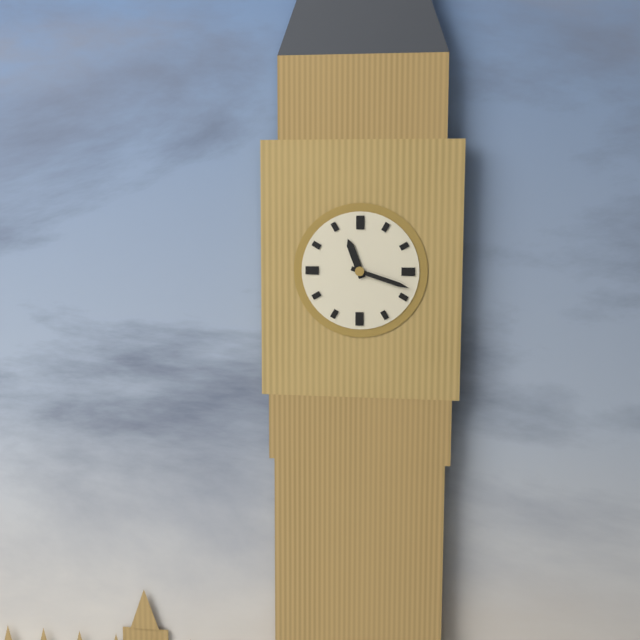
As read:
**11:18**
